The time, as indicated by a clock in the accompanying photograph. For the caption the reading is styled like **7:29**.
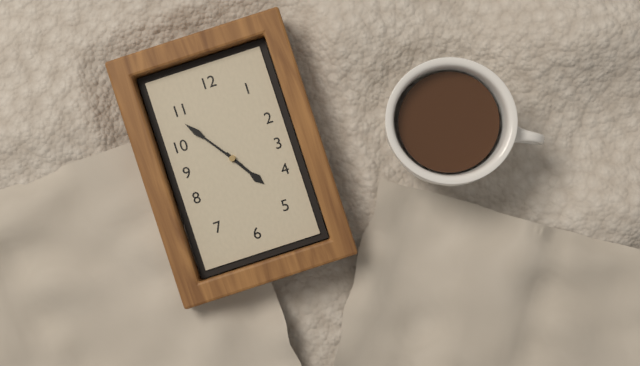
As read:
**4:54**
